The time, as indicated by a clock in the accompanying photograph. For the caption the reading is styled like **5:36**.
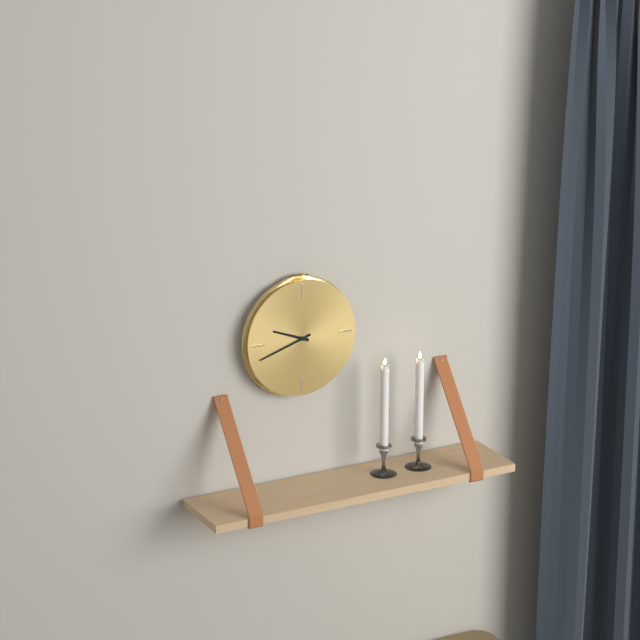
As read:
**9:42**
